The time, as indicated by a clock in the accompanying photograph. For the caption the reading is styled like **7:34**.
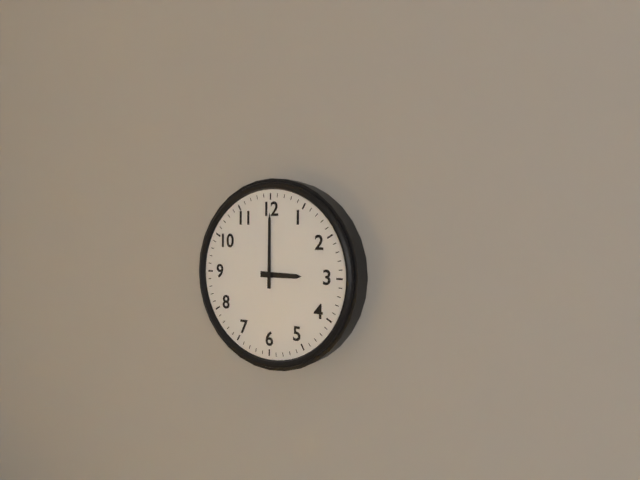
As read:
**3:00**
